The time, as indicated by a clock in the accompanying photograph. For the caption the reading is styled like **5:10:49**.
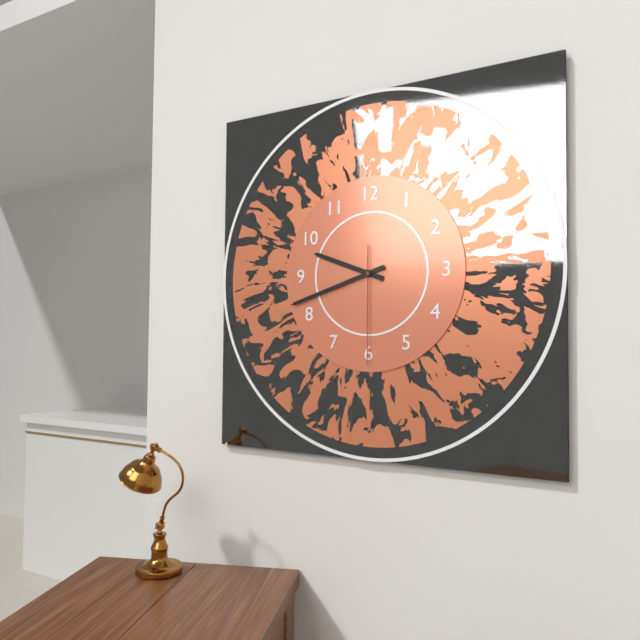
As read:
**9:42:30**
